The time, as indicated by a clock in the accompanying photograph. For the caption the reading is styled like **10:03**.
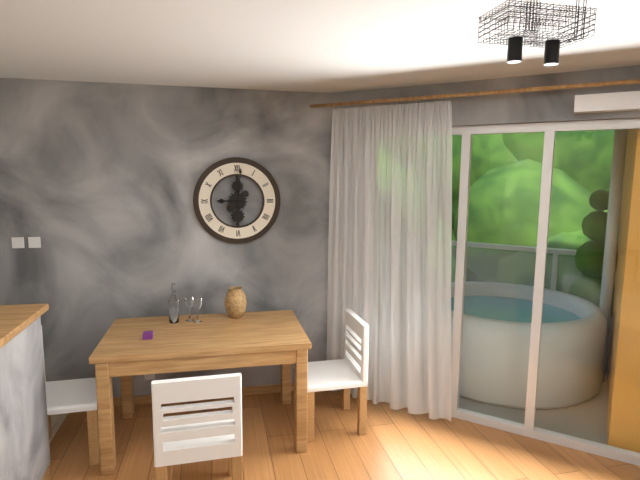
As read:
**9:01**
